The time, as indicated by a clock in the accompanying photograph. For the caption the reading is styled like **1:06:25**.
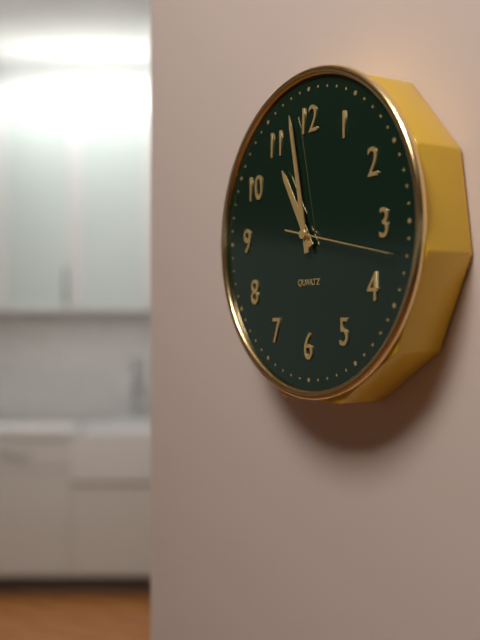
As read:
**10:58:17**
